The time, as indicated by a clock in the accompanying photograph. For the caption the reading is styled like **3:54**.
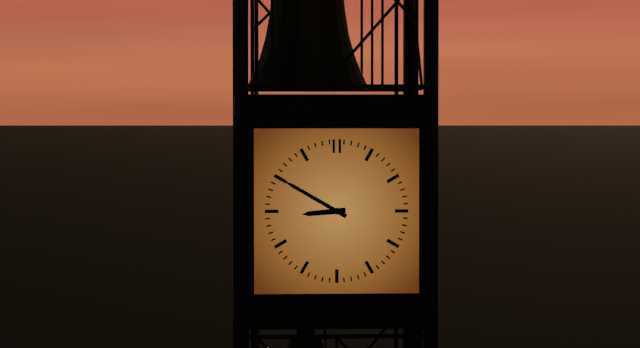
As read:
**8:50**
